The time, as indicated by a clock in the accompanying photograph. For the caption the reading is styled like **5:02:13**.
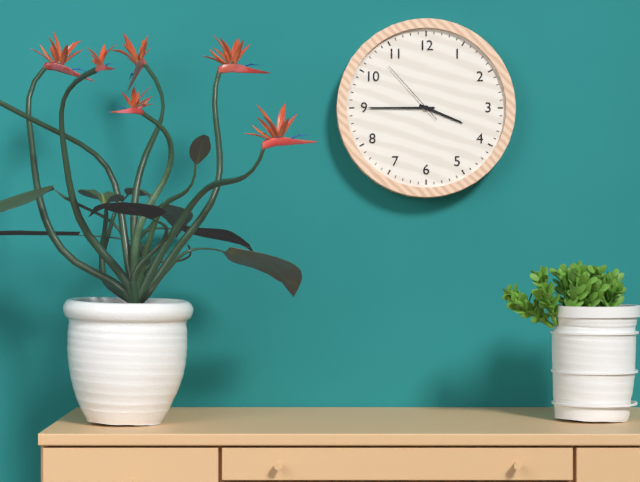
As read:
**3:45:53**
